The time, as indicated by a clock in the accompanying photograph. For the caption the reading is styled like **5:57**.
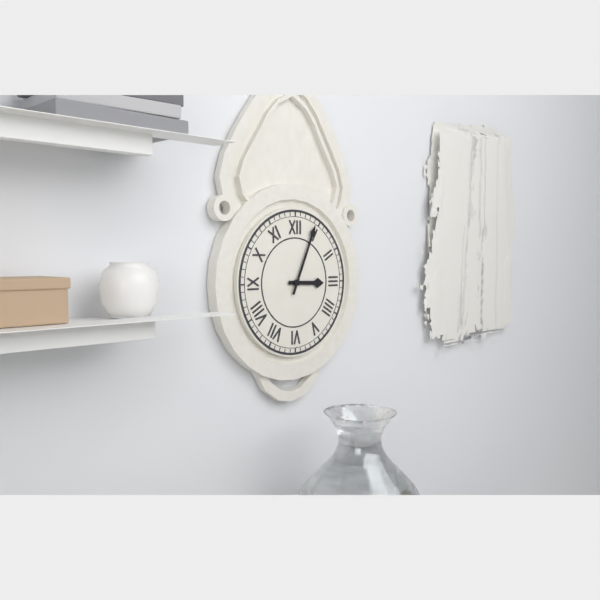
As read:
**3:04**
